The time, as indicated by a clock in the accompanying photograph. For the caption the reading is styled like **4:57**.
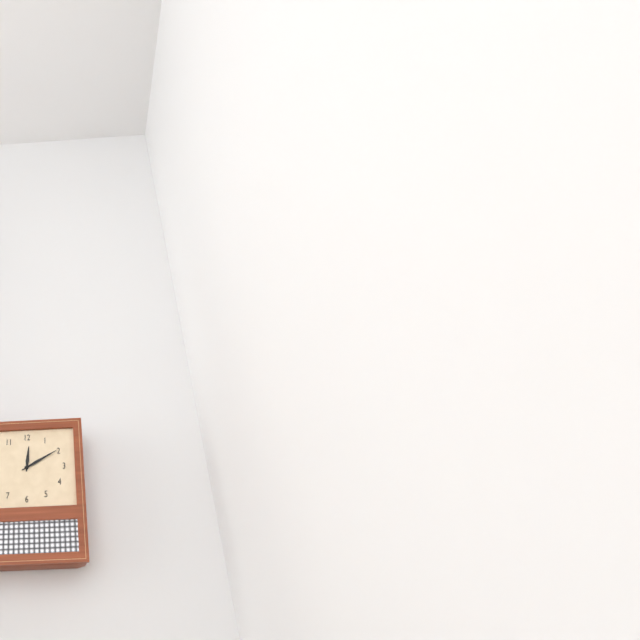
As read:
**12:10**
